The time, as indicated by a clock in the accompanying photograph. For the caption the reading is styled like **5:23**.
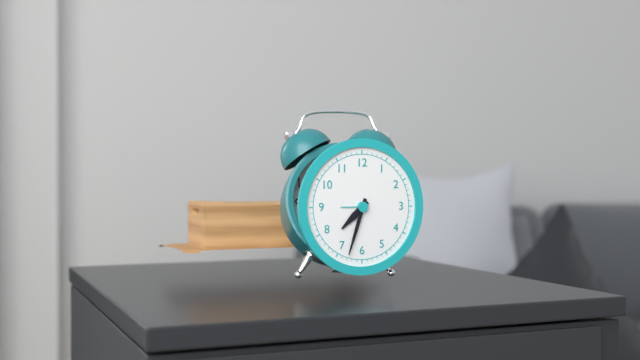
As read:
**7:33**
